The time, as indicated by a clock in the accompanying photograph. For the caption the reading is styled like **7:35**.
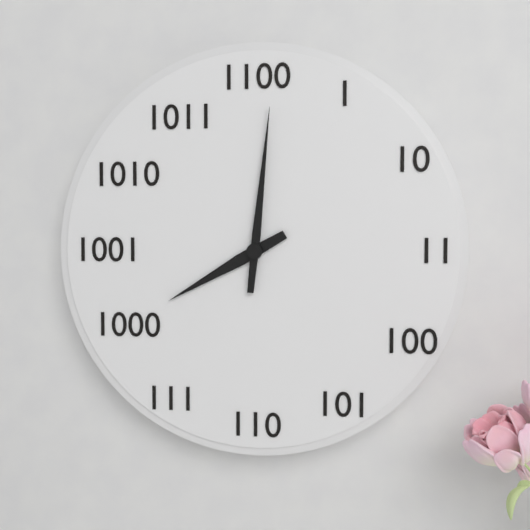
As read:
**8:01**
